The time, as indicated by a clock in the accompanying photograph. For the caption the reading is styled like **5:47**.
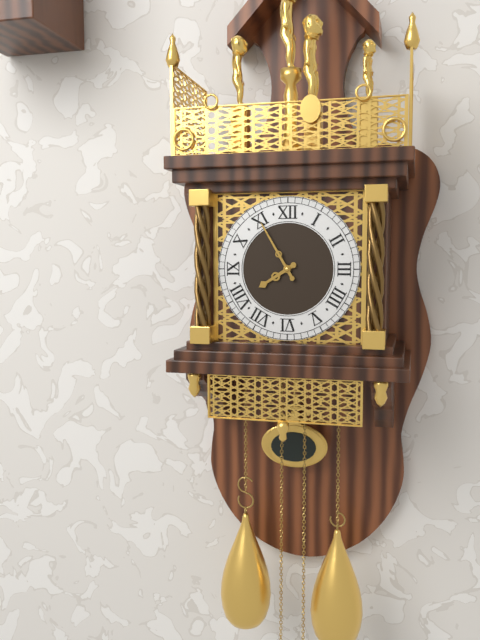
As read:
**7:55**
